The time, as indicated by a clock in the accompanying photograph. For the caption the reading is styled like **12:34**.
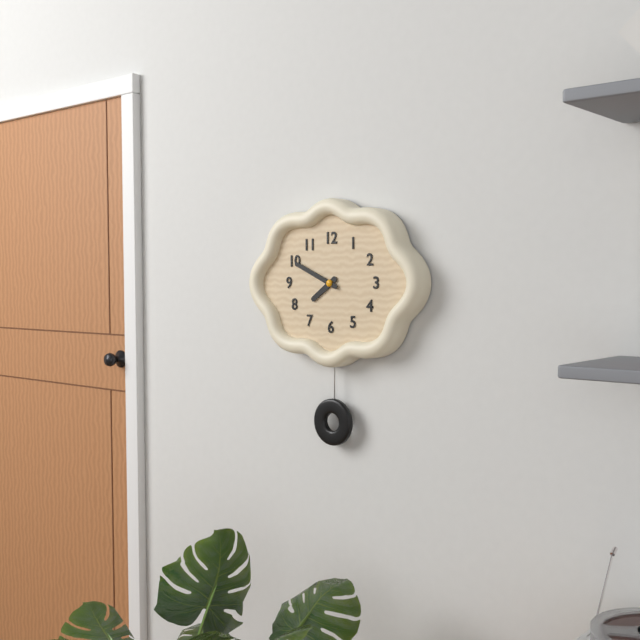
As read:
**7:49**
